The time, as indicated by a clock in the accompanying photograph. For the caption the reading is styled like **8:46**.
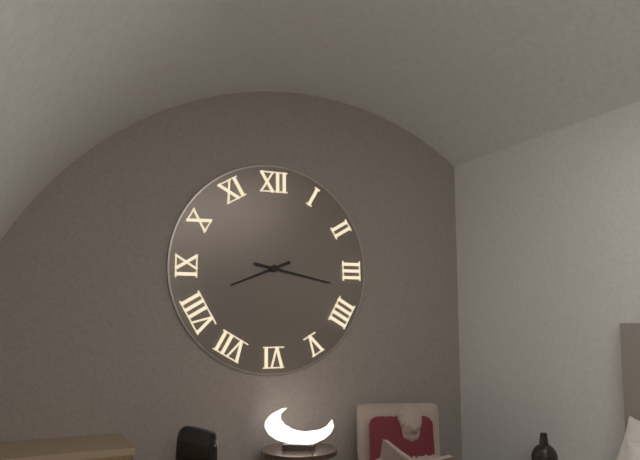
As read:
**8:17**
